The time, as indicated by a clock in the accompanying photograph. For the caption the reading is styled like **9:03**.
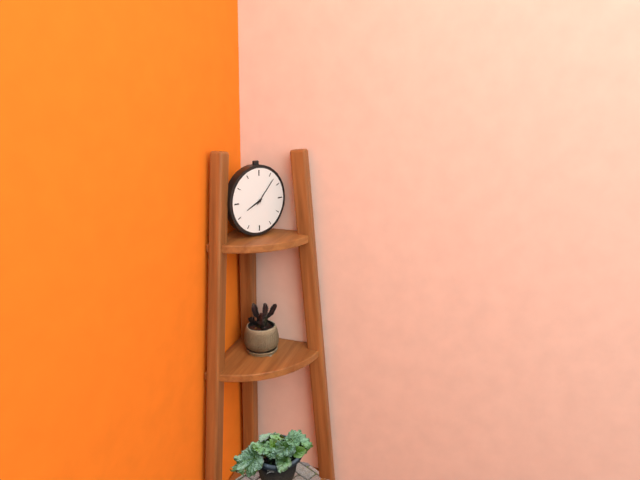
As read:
**8:07**
